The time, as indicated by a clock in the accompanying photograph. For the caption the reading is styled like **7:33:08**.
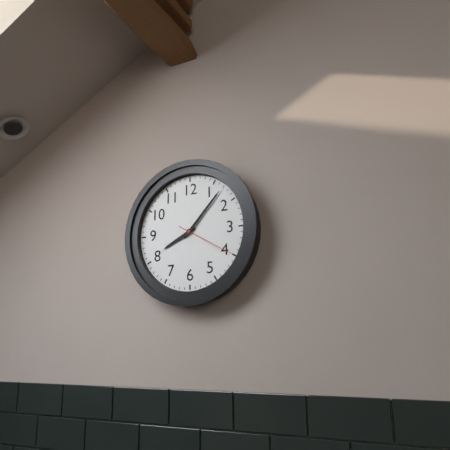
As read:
**8:07:20**
